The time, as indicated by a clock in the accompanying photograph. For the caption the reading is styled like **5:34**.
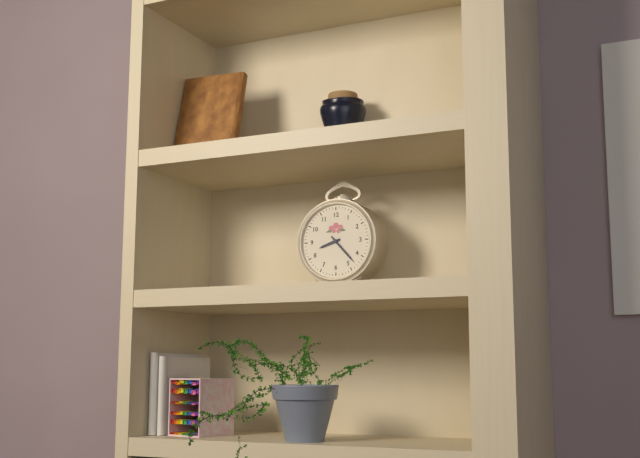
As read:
**8:23**
